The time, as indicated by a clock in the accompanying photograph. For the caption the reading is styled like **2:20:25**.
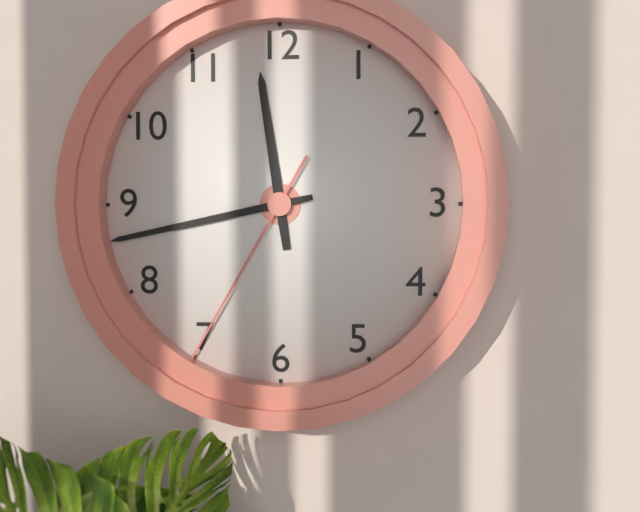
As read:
**11:43:35**
